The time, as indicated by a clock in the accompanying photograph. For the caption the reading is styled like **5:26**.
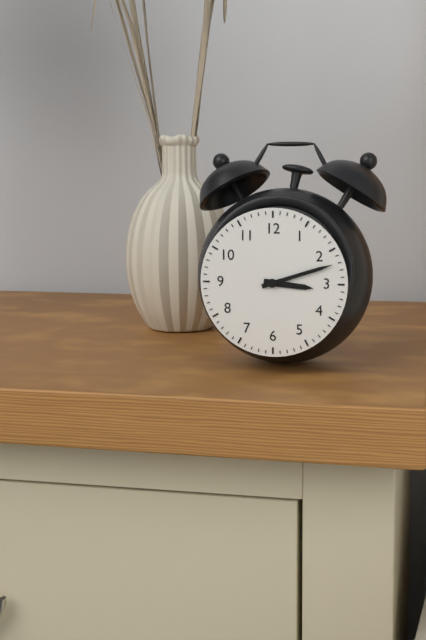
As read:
**3:12**
